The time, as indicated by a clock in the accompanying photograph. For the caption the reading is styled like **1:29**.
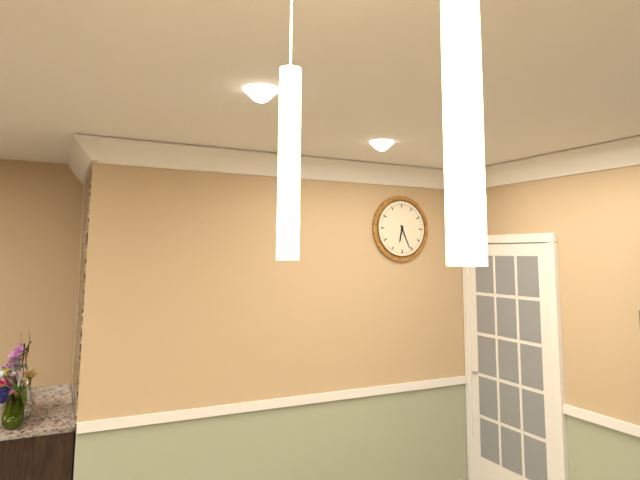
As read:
**6:26**
